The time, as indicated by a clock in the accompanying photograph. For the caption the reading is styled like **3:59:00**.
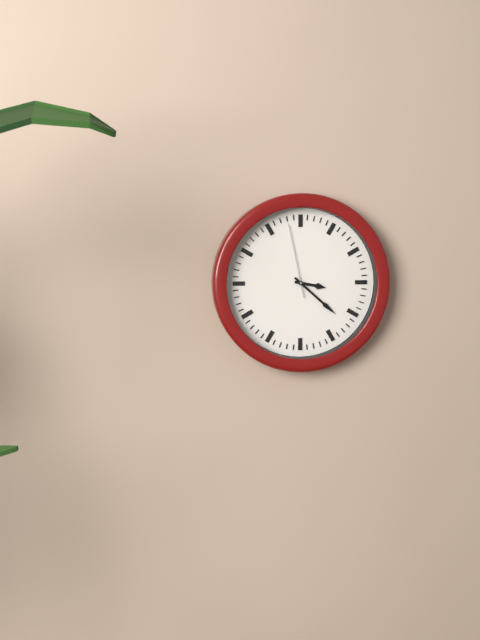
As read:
**3:22:58**
